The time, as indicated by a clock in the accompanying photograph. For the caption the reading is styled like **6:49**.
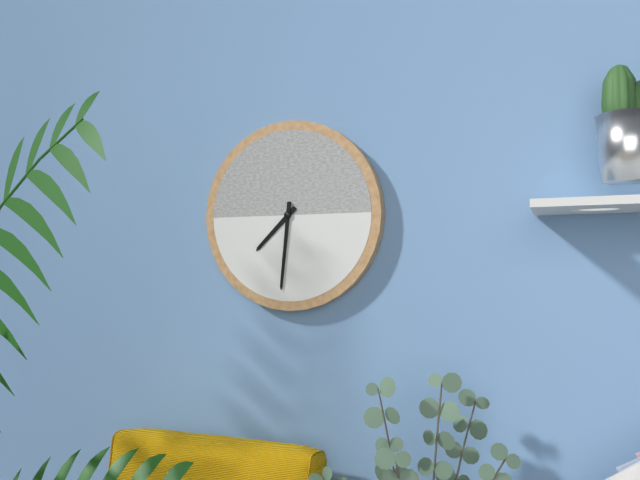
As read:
**7:31**
